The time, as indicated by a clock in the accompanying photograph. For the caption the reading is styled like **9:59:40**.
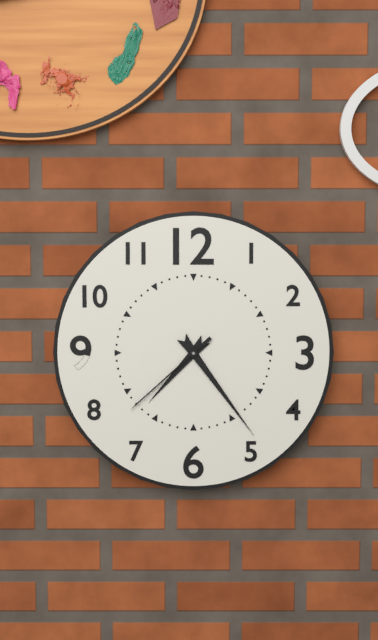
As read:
**7:24:38**
